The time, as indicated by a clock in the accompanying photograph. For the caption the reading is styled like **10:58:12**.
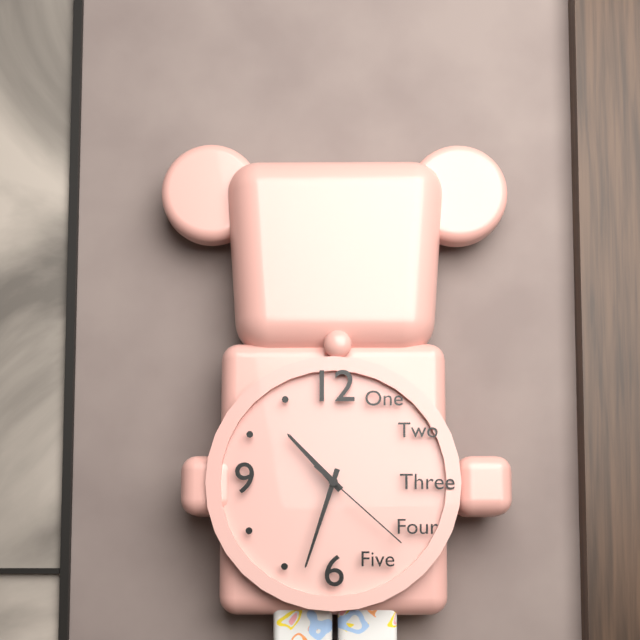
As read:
**10:33:22**
